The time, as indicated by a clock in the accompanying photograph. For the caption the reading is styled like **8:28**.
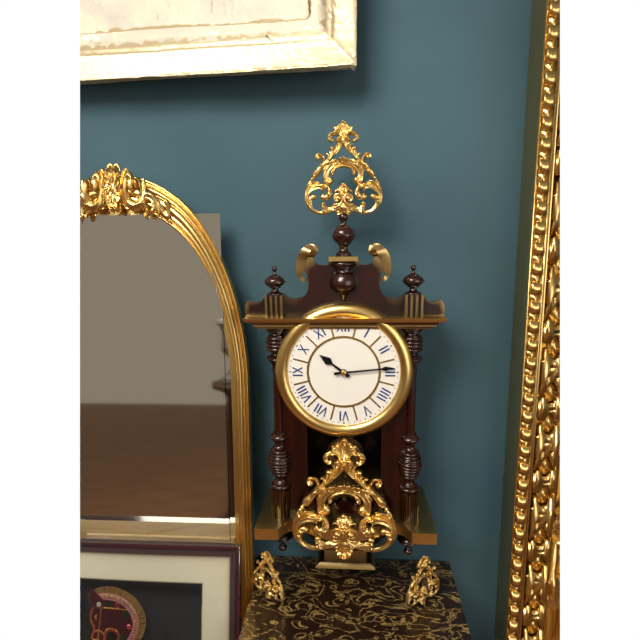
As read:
**10:14**
